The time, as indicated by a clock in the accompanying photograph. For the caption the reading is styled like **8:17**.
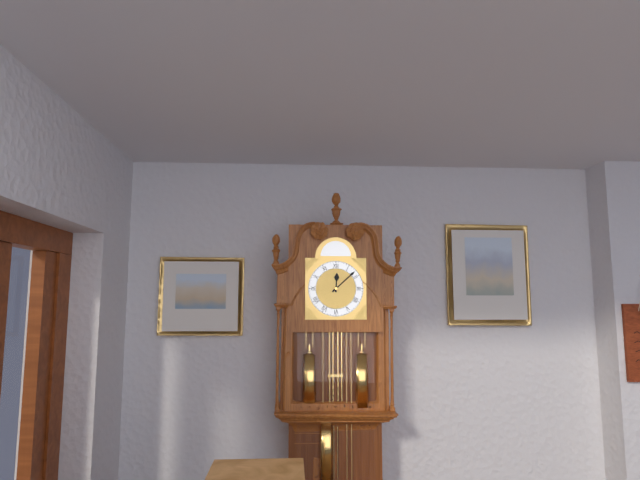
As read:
**12:08**
